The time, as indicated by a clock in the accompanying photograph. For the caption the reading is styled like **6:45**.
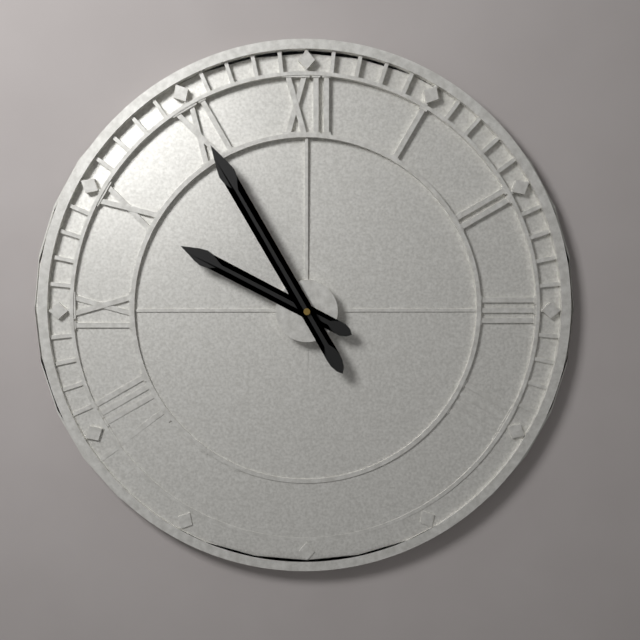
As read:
**9:55**
